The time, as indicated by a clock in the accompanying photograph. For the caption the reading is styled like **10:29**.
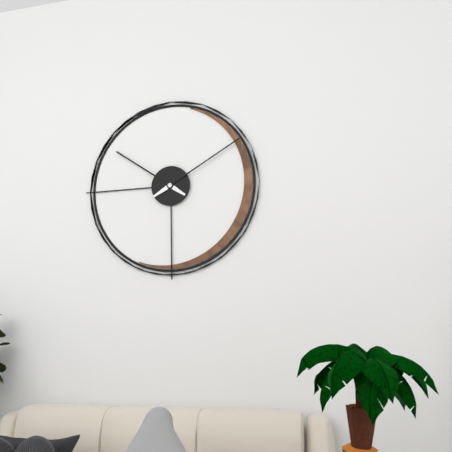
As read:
**10:10**
